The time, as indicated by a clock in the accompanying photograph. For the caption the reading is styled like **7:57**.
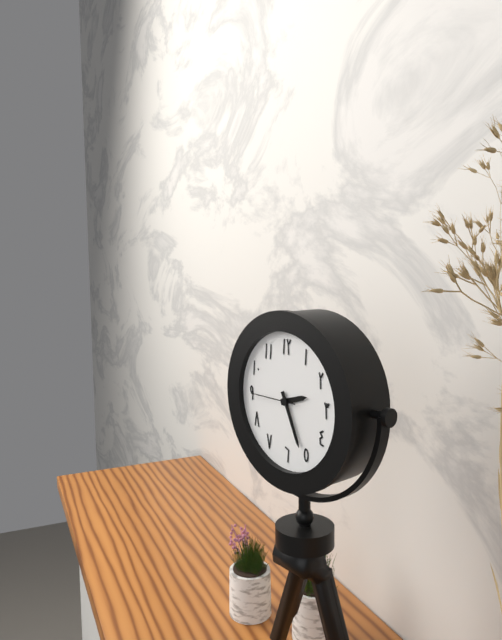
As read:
**2:26**
